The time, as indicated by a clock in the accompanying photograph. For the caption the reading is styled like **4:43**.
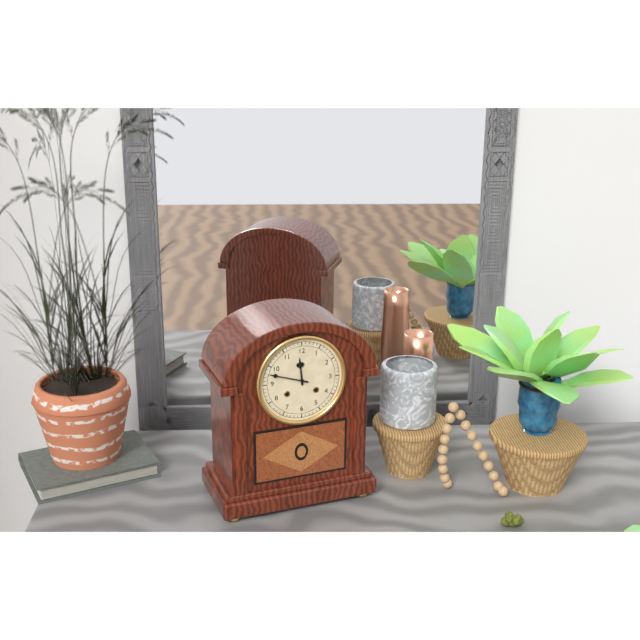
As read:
**11:48**
